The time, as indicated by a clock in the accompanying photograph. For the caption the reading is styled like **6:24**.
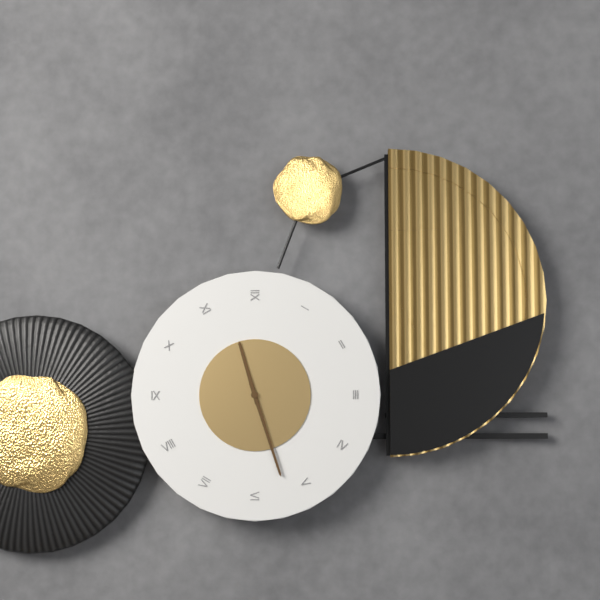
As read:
**11:27**
